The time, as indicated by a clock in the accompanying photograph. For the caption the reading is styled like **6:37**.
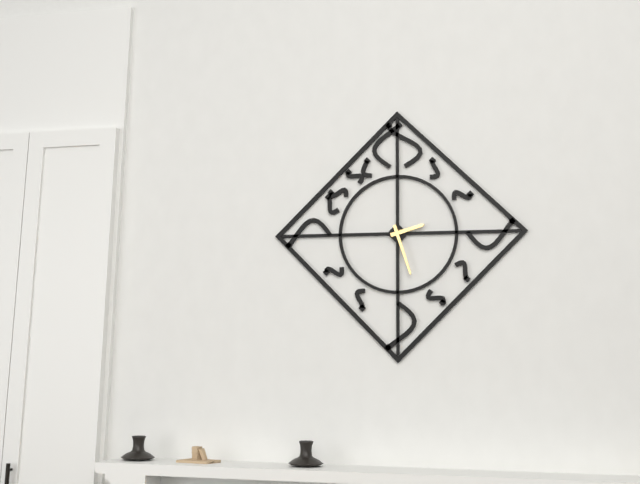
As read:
**2:27**
